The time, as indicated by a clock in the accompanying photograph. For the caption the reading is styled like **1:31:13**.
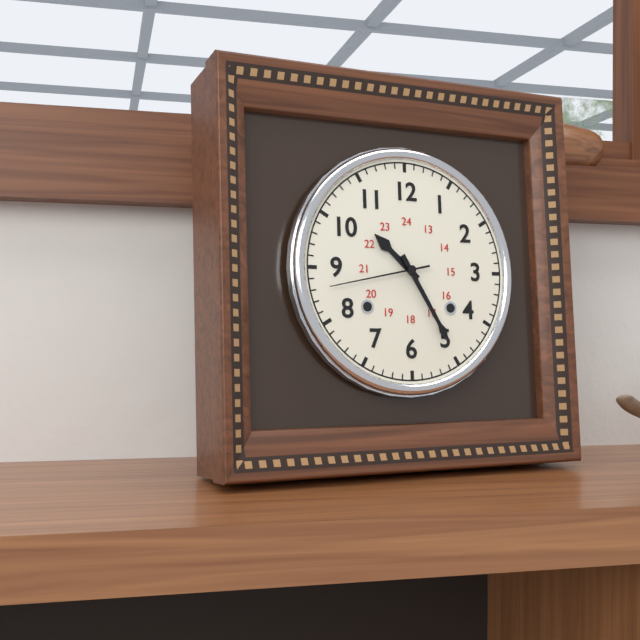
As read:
**10:25:43**
